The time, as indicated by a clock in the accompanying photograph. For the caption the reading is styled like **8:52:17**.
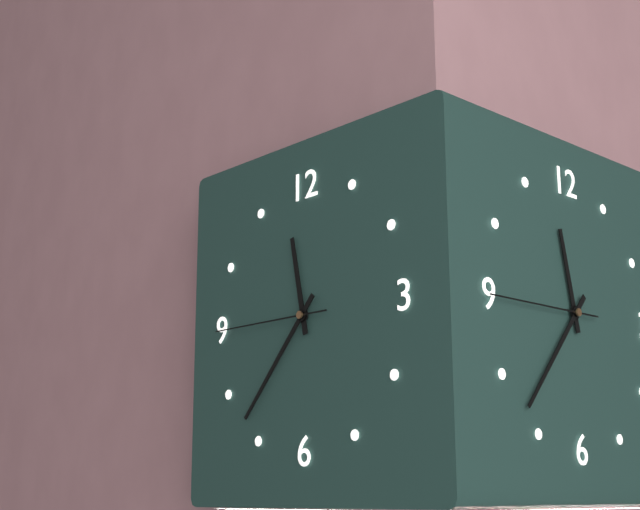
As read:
**11:37:45**
